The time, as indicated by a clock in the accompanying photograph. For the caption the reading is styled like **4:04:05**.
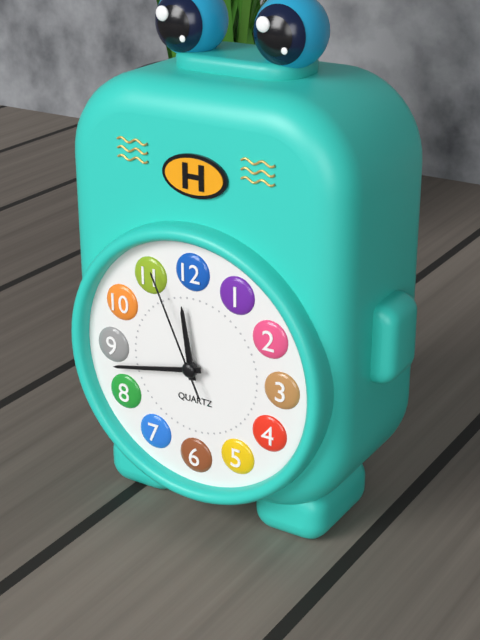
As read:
**11:43:56**
